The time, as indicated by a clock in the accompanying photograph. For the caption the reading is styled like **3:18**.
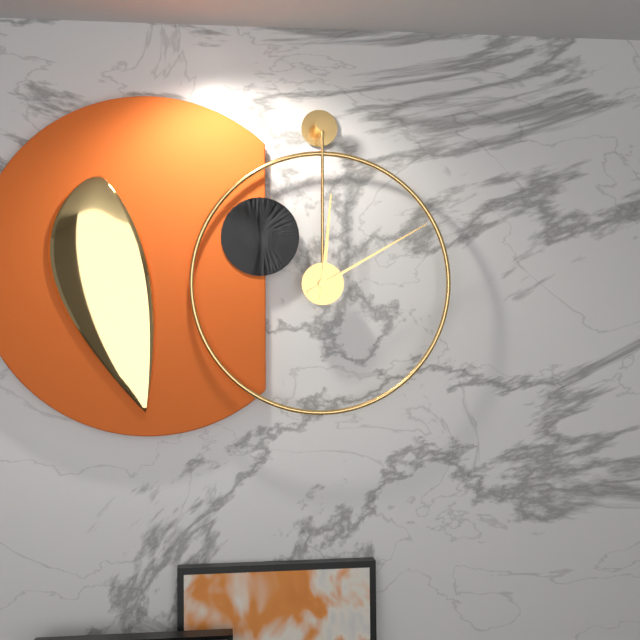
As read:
**12:10**
